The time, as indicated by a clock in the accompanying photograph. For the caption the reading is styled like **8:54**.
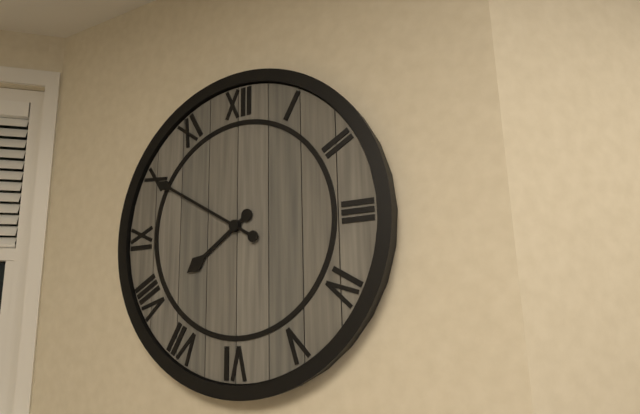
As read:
**7:50**
